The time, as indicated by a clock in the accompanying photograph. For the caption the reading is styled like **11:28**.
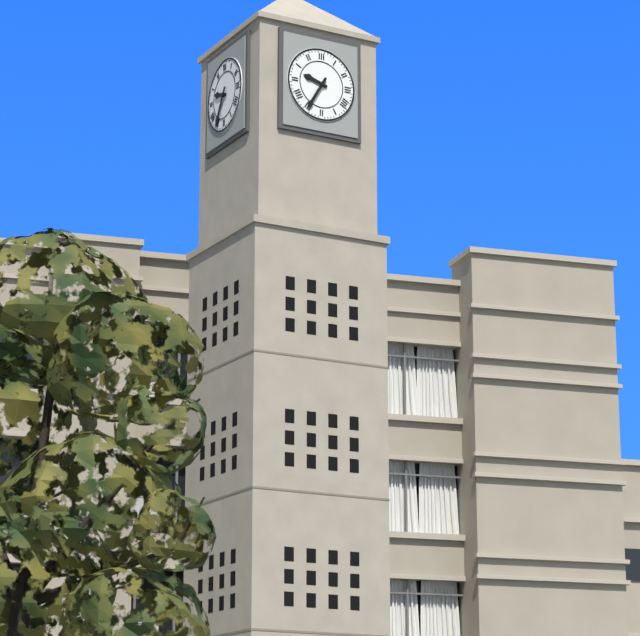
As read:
**9:35**
